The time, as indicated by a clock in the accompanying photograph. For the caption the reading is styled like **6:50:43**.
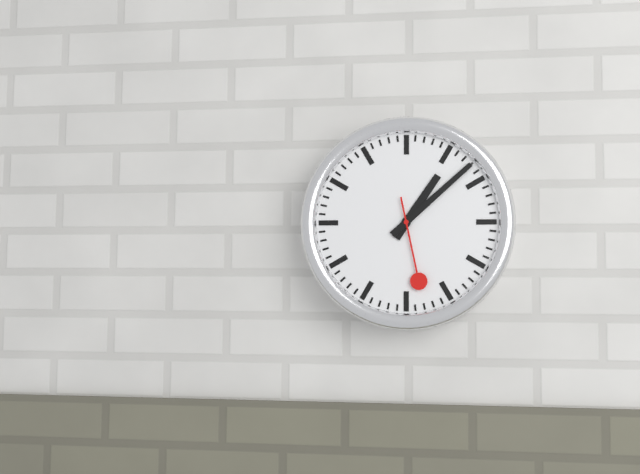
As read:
**1:08:28**
